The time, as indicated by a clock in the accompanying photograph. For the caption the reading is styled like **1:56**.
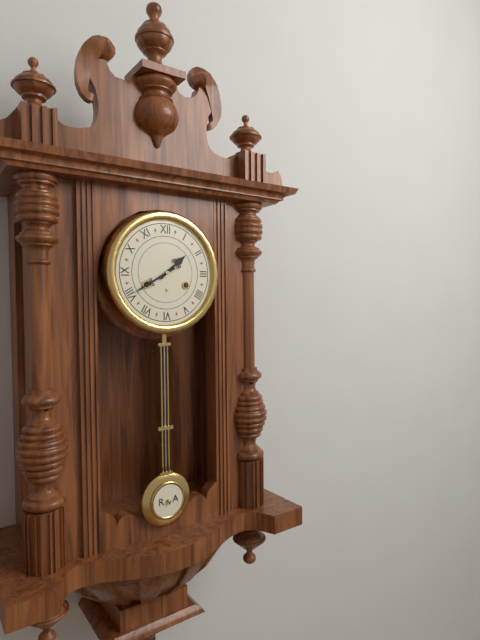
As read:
**1:40**
